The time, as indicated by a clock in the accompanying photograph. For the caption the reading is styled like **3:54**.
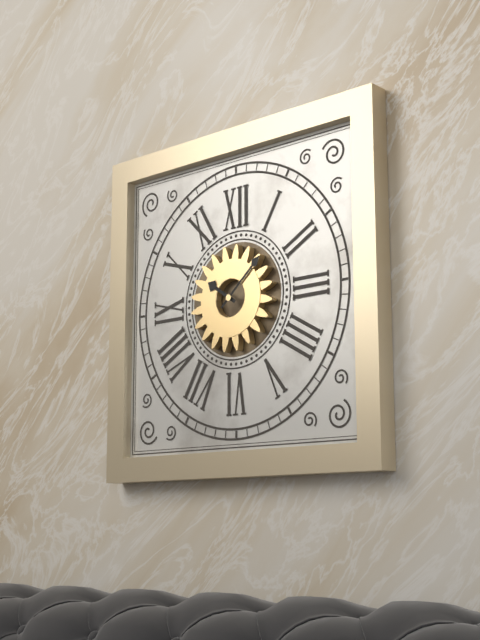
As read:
**10:08**
